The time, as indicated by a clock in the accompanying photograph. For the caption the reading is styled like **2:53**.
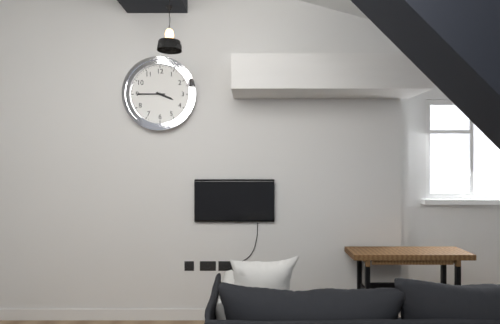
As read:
**3:45**
